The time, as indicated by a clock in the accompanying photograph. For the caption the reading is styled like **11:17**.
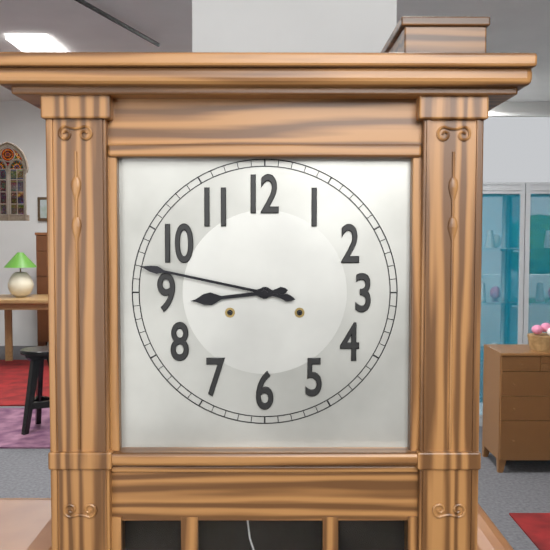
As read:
**8:47**
